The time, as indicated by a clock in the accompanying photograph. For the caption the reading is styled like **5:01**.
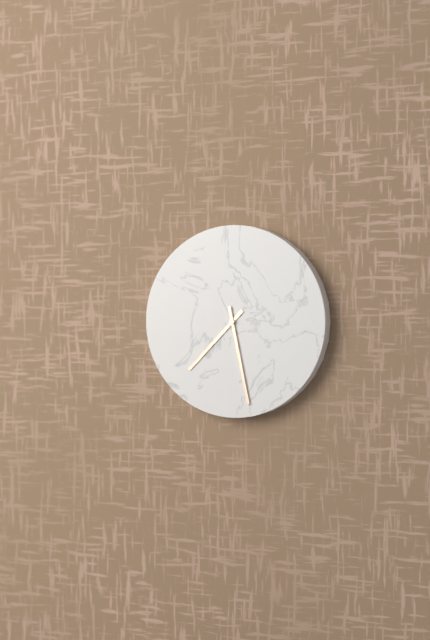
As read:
**7:28**
